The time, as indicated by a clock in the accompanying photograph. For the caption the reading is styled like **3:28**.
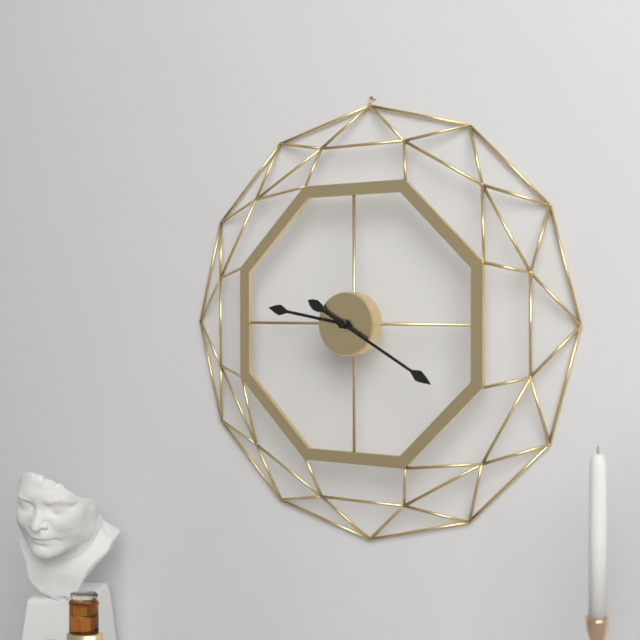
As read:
**9:20**
